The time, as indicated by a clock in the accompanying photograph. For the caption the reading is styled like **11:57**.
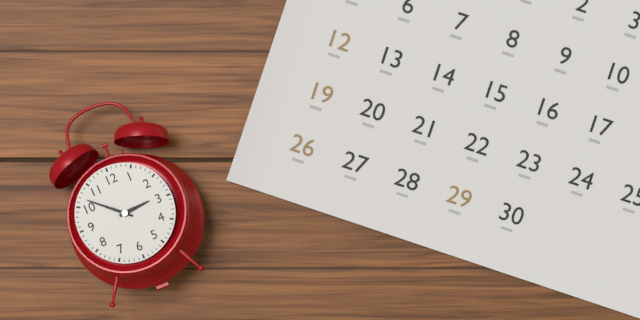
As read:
**2:52**
